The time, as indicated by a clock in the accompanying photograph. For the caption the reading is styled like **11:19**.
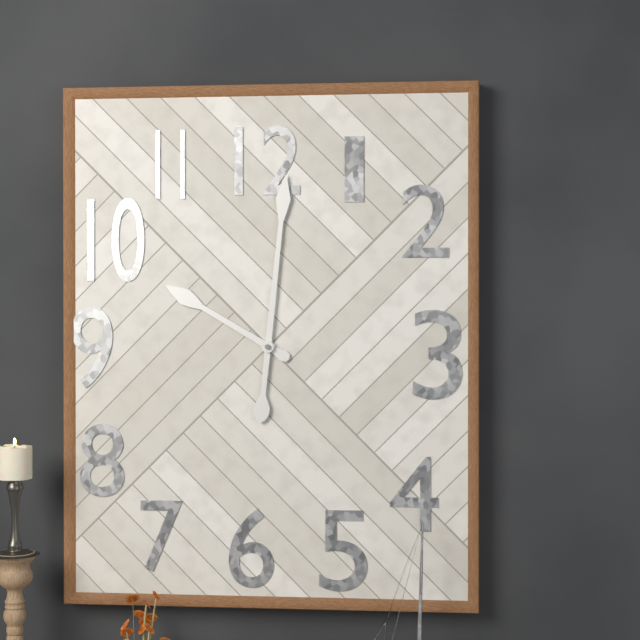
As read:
**10:01**
